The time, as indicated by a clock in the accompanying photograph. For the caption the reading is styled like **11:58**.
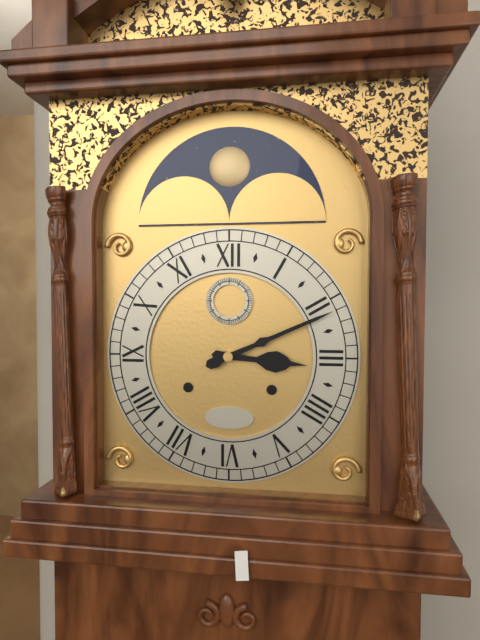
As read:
**3:11**
